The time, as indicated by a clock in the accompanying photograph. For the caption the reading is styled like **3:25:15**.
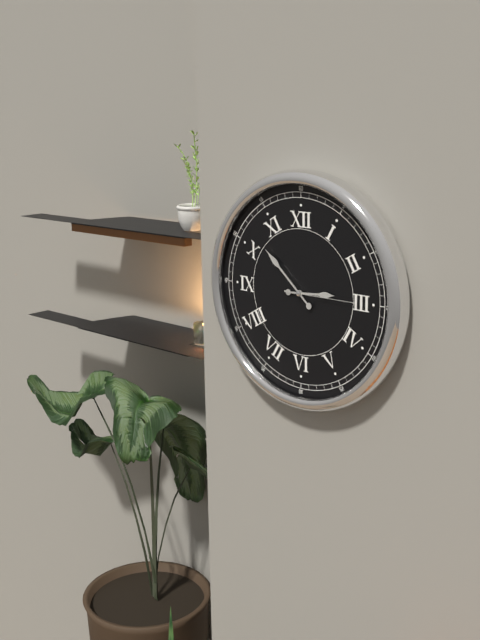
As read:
**2:52:15**
